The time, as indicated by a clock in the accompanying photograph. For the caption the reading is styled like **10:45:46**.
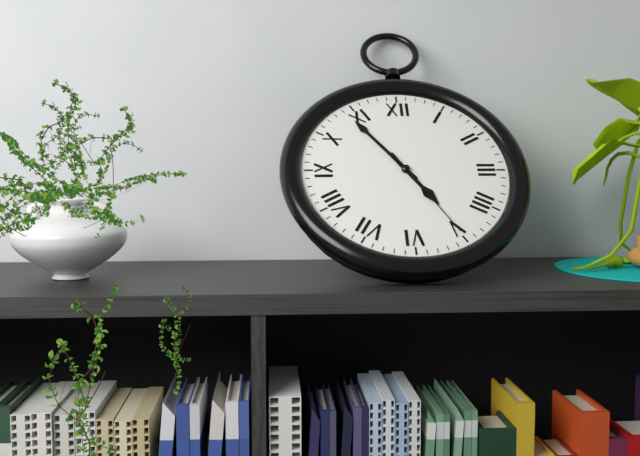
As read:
**4:54:25**
